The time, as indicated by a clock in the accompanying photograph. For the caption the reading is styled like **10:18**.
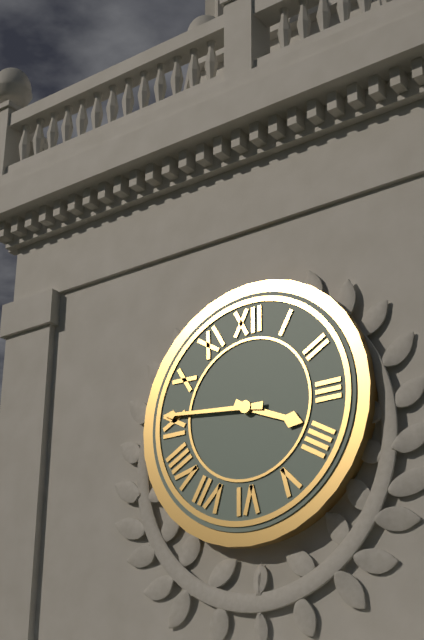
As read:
**3:46**
